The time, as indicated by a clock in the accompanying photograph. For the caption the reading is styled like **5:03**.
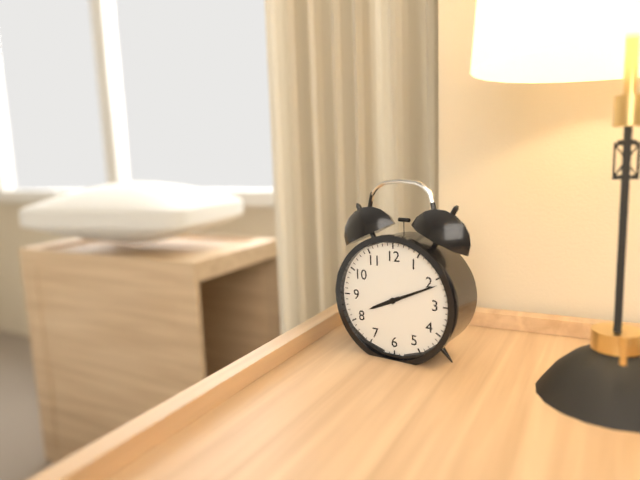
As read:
**8:11**
